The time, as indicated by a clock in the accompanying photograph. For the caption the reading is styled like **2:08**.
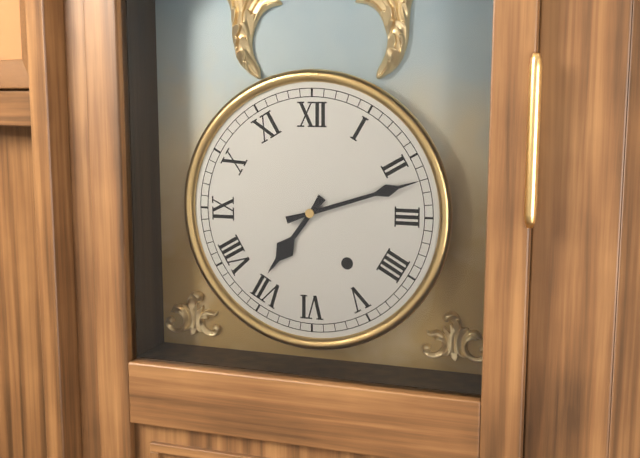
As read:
**7:12**
